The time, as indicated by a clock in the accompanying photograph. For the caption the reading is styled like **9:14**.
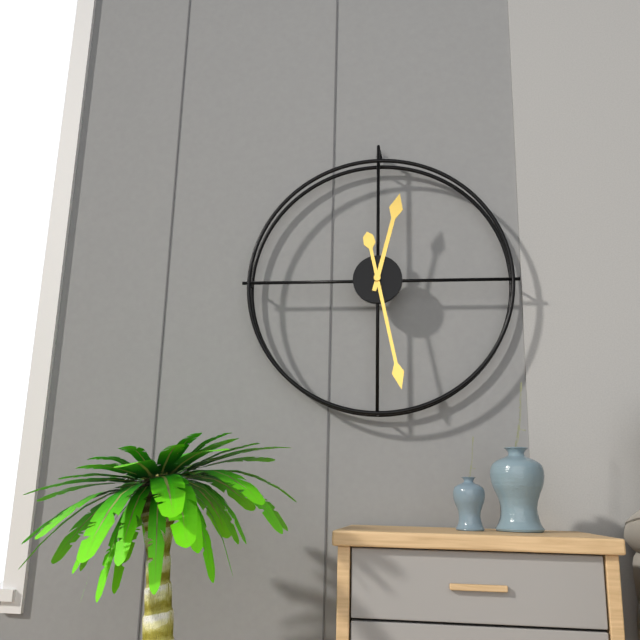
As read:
**12:28**
